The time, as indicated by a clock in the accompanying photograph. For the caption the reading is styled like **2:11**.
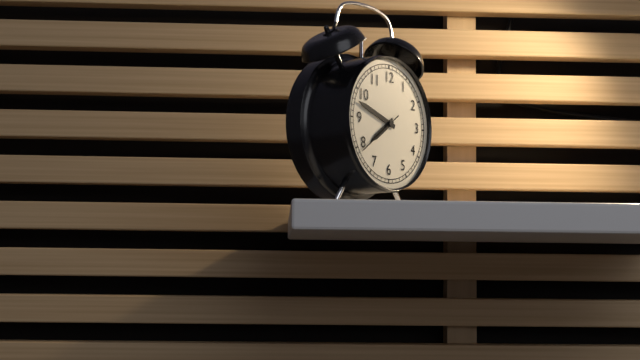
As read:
**7:48**
